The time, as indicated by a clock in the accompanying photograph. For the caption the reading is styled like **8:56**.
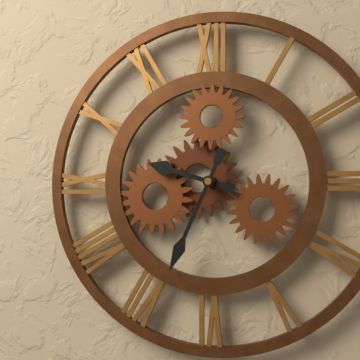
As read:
**9:34**
